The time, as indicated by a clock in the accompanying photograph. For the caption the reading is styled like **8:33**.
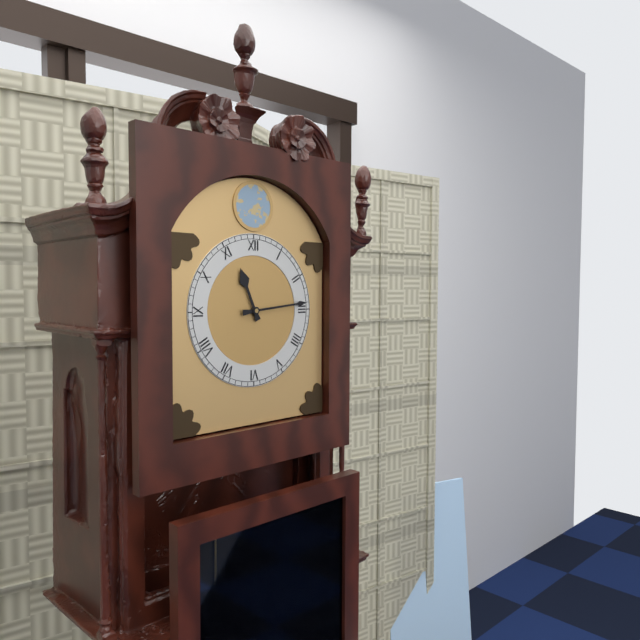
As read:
**11:14**
